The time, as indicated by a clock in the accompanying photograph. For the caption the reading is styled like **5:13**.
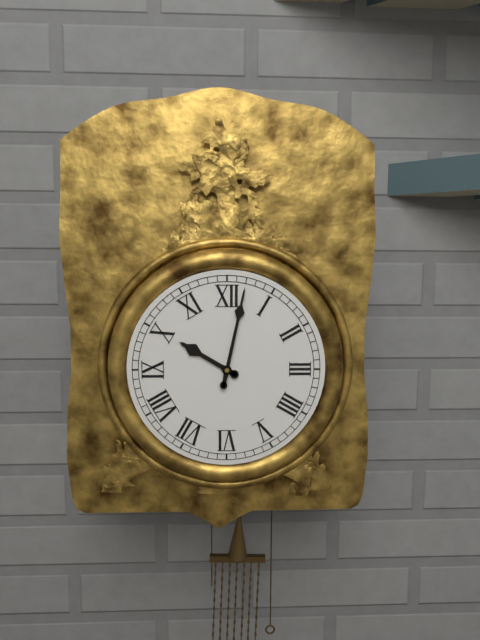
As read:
**10:02**
